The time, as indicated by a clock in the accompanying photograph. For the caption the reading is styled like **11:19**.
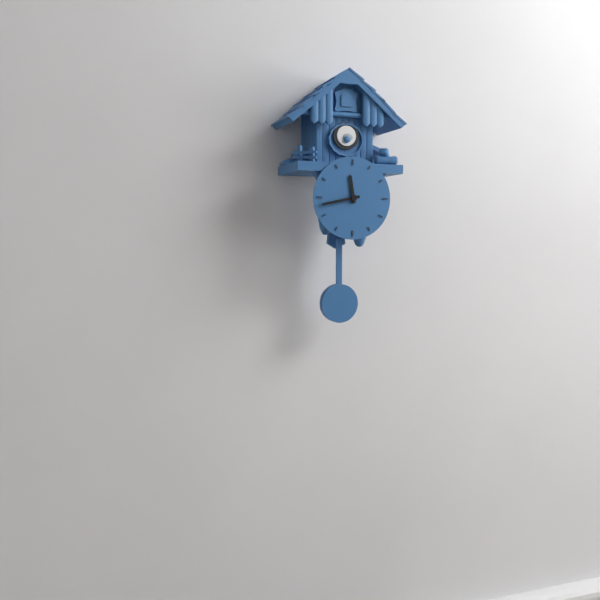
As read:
**11:43**
